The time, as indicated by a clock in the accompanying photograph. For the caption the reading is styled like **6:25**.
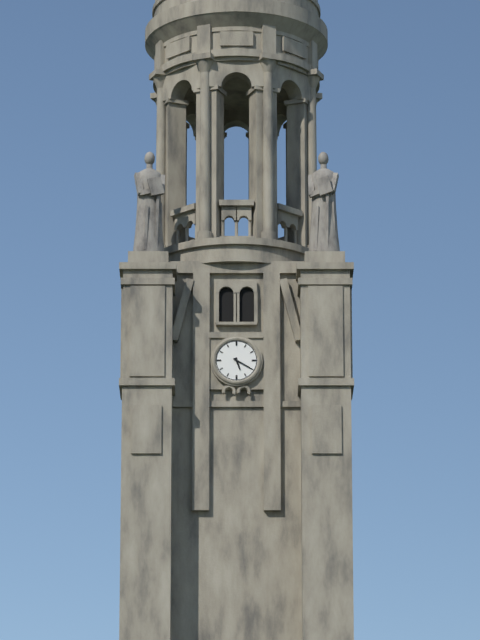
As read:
**5:20**
